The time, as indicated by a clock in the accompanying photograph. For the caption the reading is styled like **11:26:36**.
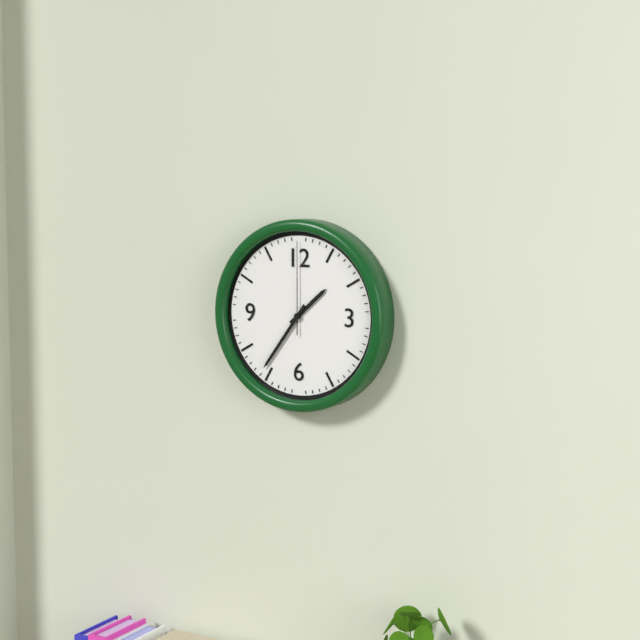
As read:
**1:36:00**
